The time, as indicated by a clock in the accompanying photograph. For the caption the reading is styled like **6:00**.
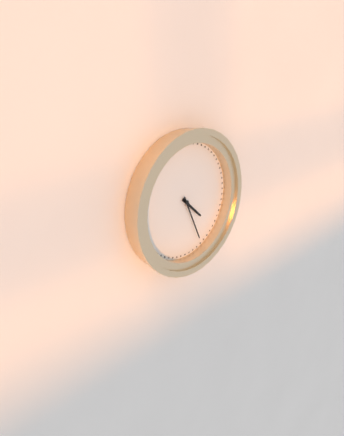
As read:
**4:26**
